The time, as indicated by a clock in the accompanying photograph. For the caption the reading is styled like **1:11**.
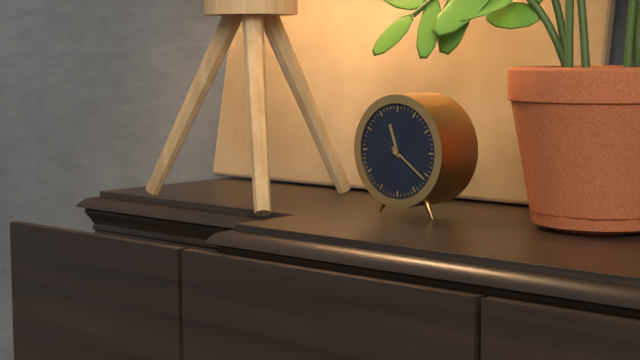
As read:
**11:21**
